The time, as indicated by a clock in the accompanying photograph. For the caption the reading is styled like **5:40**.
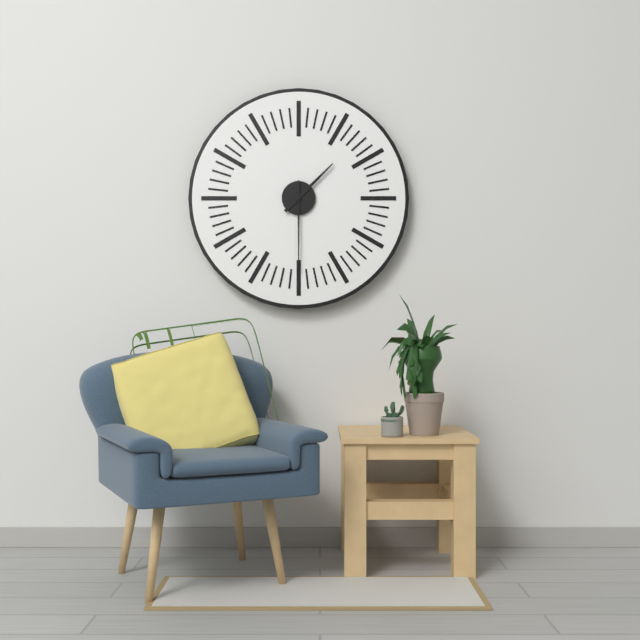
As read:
**1:30**
